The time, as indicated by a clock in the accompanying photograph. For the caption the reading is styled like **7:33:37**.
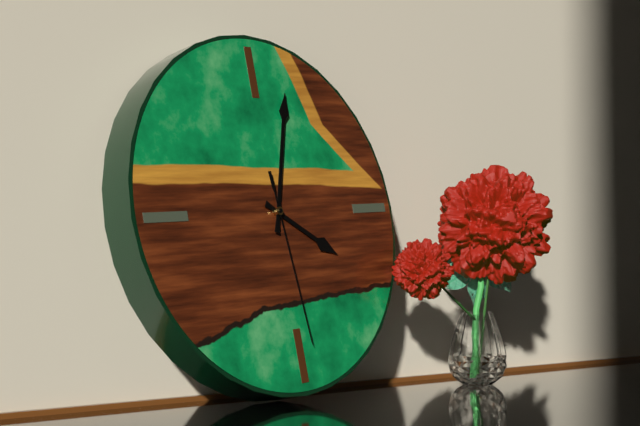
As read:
**4:03:29**
